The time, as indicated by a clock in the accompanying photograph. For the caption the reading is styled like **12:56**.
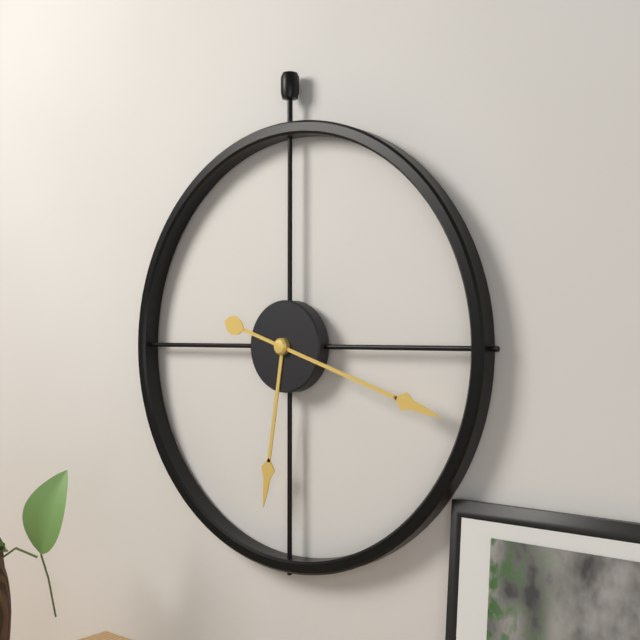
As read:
**6:18**
